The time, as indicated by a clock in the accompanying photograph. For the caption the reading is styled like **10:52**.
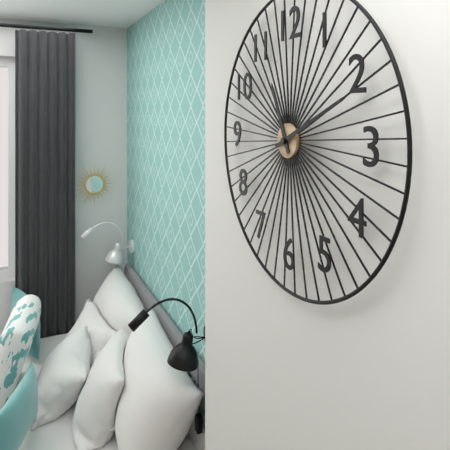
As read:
**11:11**
